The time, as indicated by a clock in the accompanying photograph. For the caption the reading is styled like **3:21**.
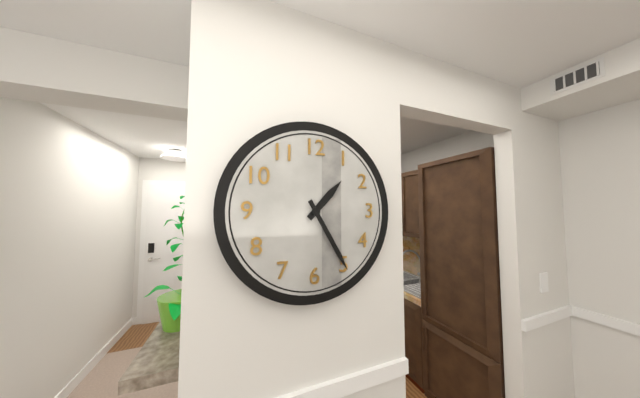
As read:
**1:25**
